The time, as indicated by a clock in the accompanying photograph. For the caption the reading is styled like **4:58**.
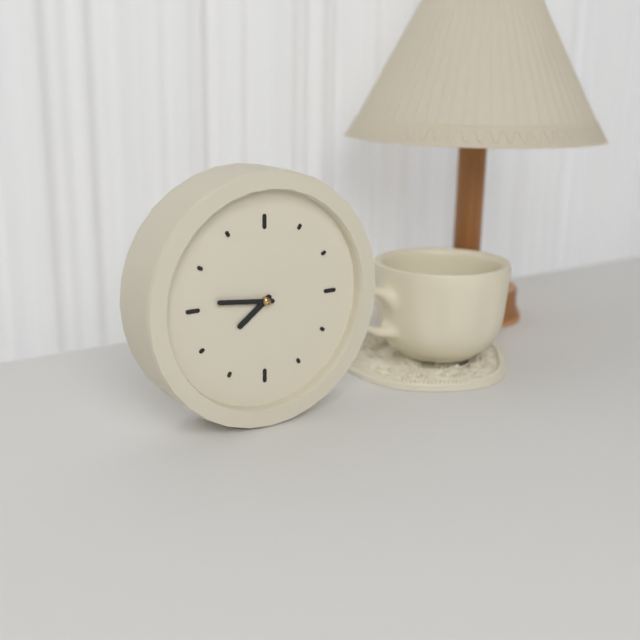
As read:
**7:46**
